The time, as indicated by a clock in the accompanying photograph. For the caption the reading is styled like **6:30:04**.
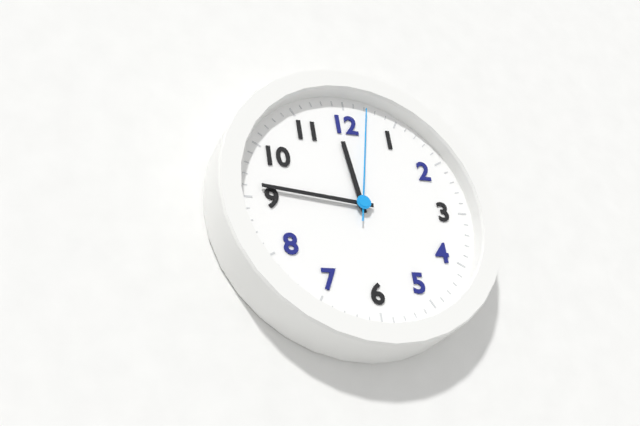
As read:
**11:46:02**
